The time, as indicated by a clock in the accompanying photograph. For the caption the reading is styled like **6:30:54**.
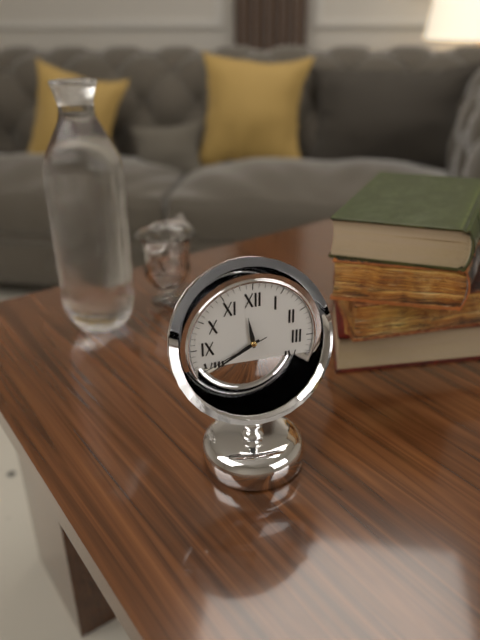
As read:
**11:40:41**
